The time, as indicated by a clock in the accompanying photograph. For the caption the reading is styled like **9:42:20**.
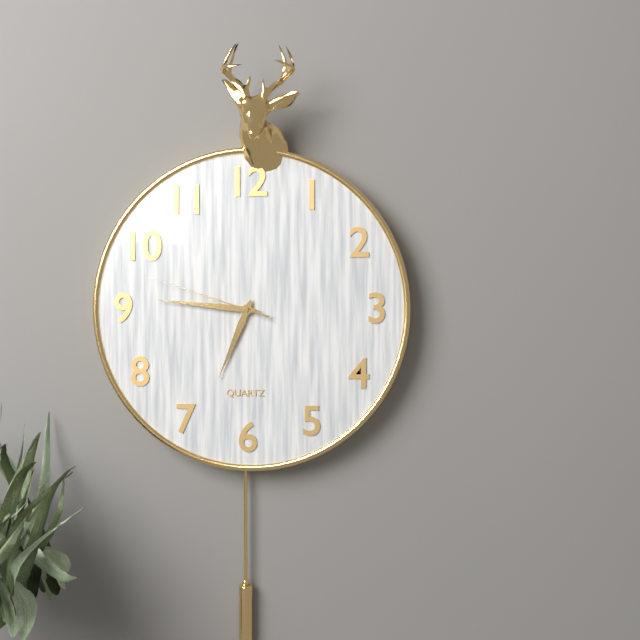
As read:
**6:46:48**
